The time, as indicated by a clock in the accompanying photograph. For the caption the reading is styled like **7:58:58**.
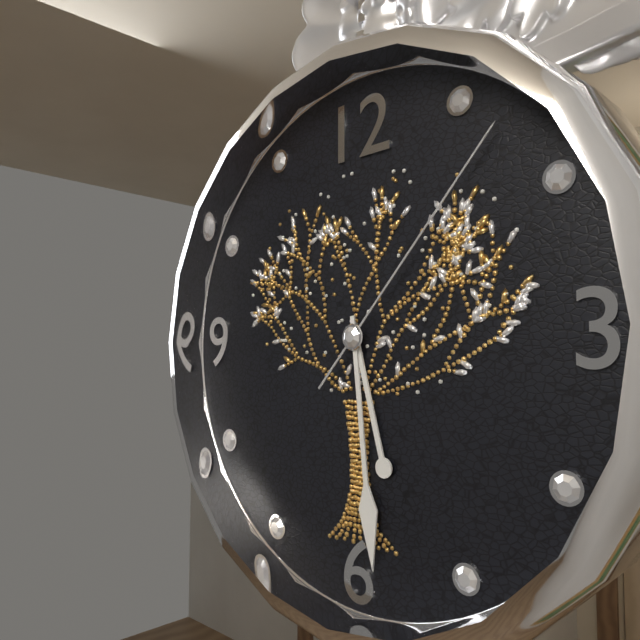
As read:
**5:29:07**
